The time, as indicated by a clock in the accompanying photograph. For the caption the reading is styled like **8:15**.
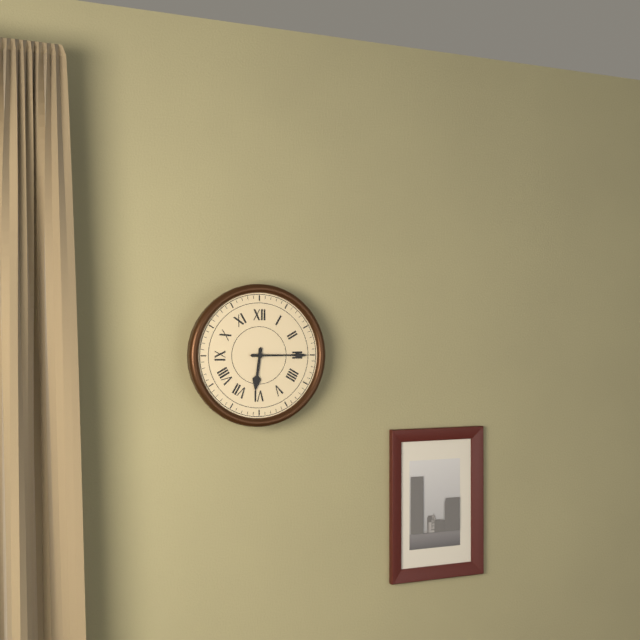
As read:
**6:15**
